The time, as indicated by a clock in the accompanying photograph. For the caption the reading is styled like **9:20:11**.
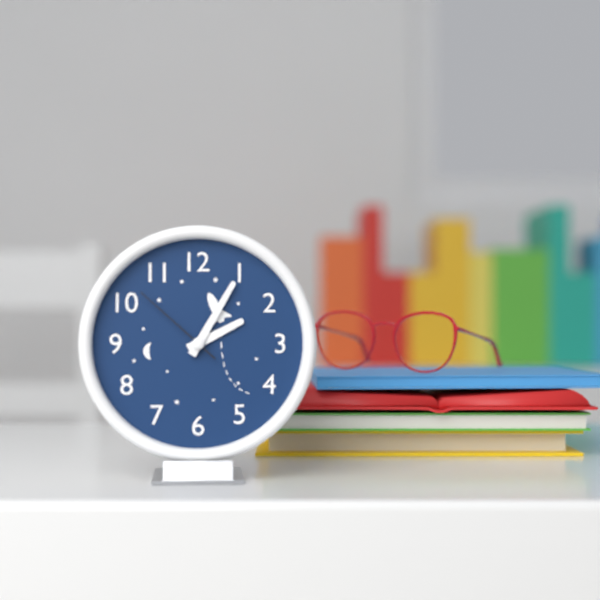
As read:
**2:05:52**
